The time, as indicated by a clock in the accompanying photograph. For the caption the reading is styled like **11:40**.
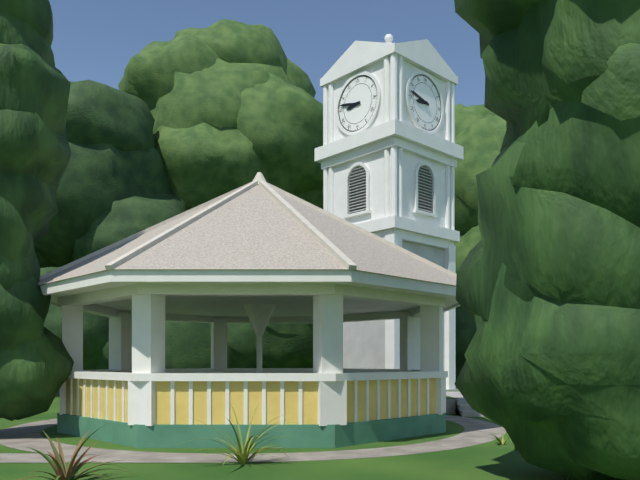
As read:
**8:47**
